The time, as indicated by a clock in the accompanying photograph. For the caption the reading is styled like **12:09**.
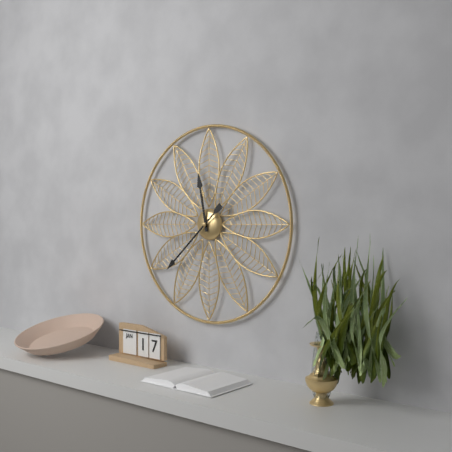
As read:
**11:38**
